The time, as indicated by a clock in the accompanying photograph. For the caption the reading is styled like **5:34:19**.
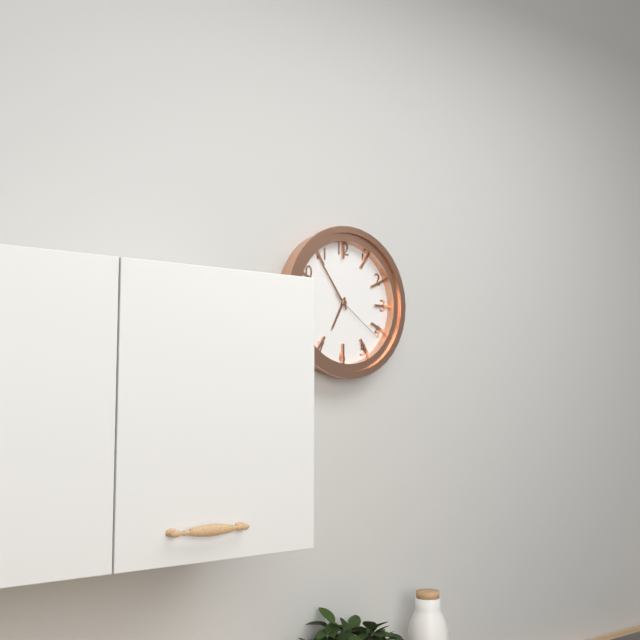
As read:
**6:54:21**
